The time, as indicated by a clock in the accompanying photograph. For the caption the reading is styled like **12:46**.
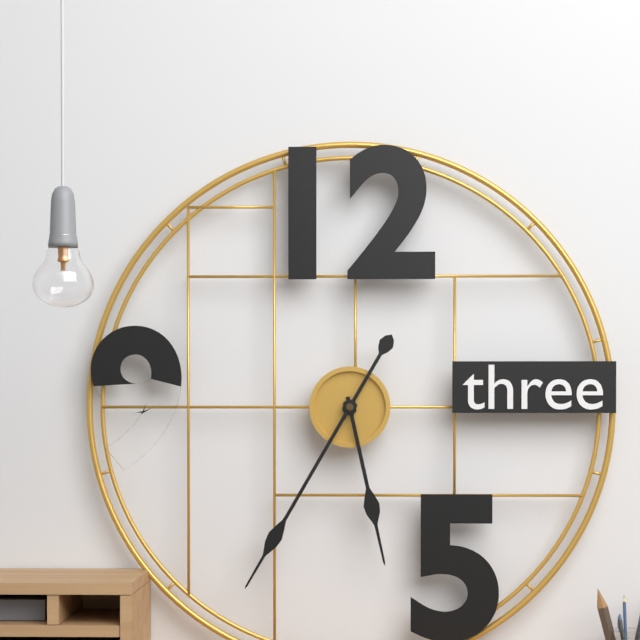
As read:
**5:35**
